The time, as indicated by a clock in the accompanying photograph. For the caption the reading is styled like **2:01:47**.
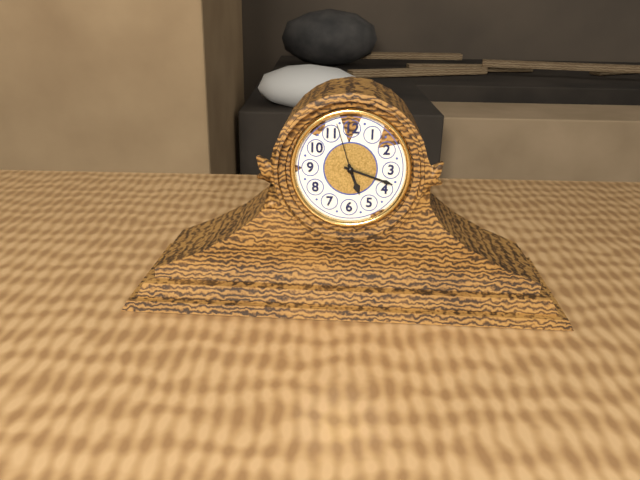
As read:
**5:18:57**
